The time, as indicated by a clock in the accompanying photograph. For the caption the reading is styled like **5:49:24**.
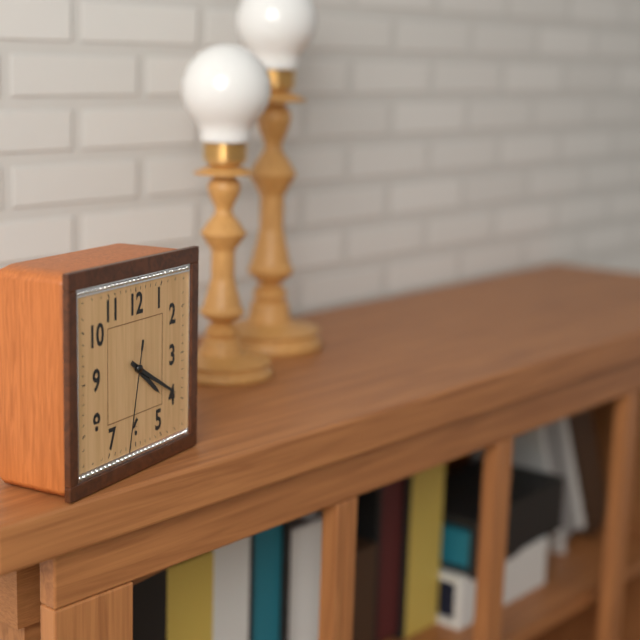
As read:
**4:20:32**
